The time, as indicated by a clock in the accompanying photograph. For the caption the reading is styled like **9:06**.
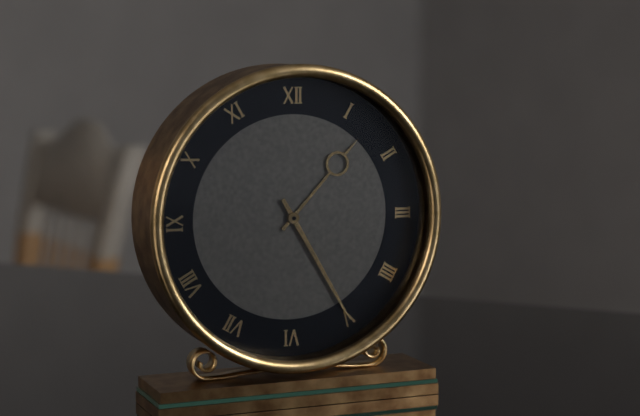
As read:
**1:25**
